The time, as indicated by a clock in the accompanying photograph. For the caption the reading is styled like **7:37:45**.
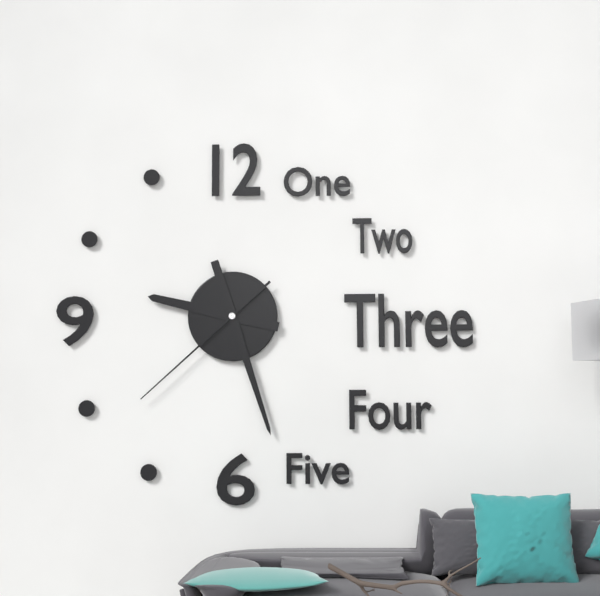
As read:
**9:27:38**
